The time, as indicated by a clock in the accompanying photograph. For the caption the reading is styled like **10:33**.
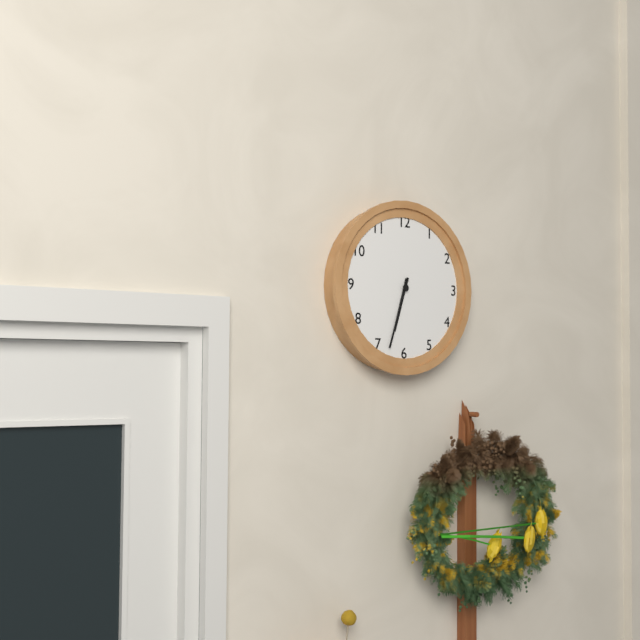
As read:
**6:33**
